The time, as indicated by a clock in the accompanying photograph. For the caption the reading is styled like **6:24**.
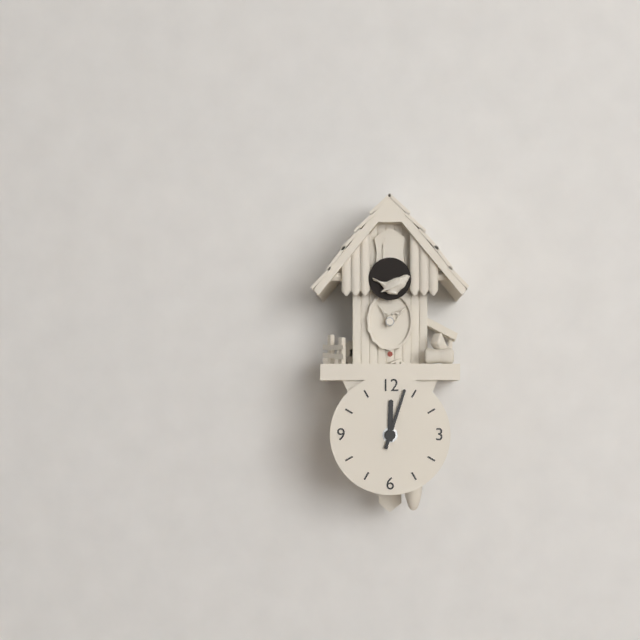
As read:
**12:03**
